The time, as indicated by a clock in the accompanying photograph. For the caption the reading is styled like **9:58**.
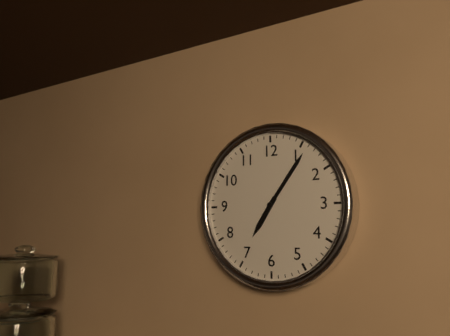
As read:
**7:06**
